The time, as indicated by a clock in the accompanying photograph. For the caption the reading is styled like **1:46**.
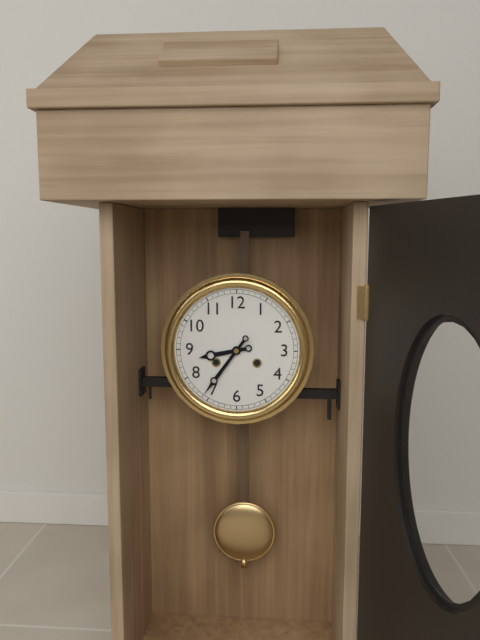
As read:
**8:36**
